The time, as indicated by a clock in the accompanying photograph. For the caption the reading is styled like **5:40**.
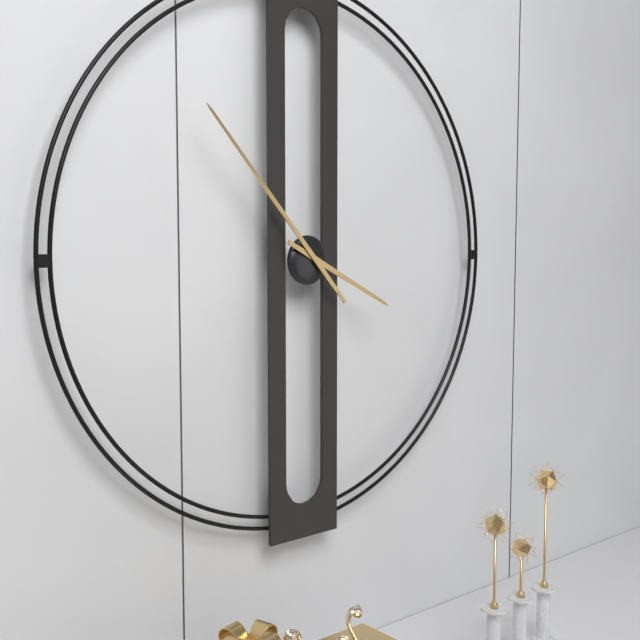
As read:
**3:53**
